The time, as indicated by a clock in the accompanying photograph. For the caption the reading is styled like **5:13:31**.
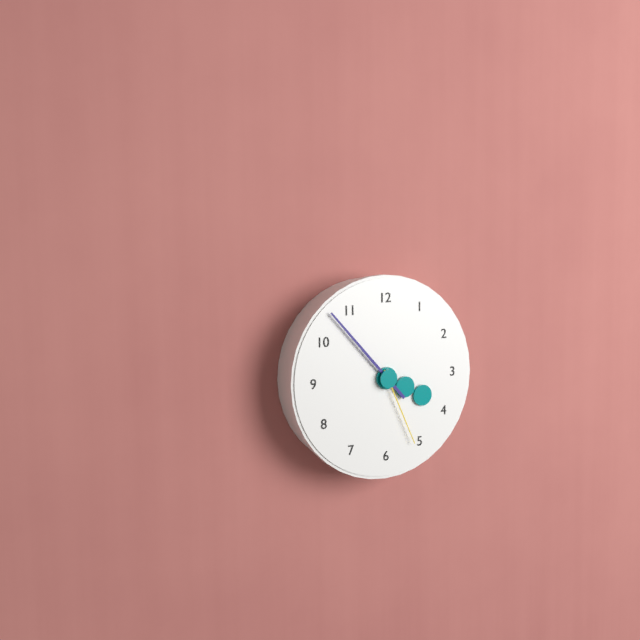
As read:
**3:53:26**
